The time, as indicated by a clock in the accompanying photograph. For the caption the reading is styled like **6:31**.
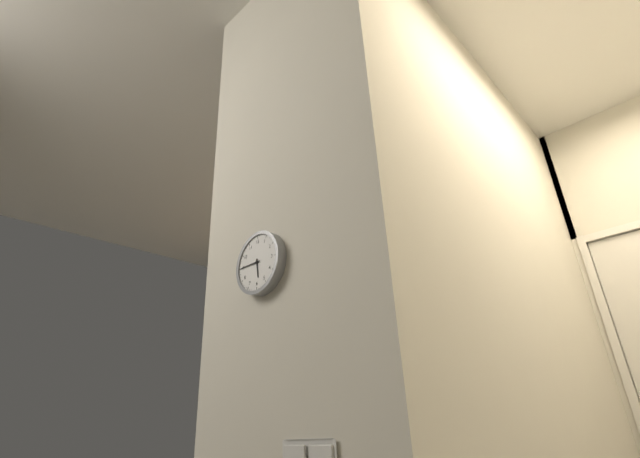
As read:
**5:45**
